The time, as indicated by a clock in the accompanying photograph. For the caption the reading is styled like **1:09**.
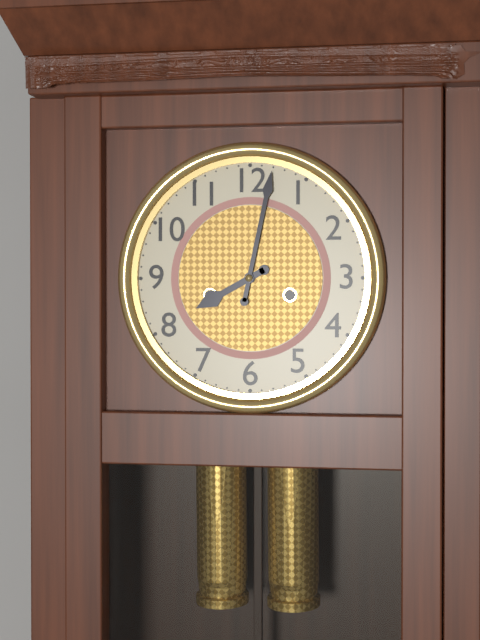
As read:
**8:02**
